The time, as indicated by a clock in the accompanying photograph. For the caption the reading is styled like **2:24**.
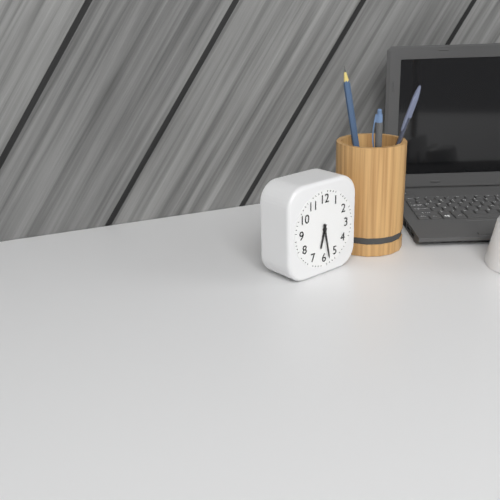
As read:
**6:28**
